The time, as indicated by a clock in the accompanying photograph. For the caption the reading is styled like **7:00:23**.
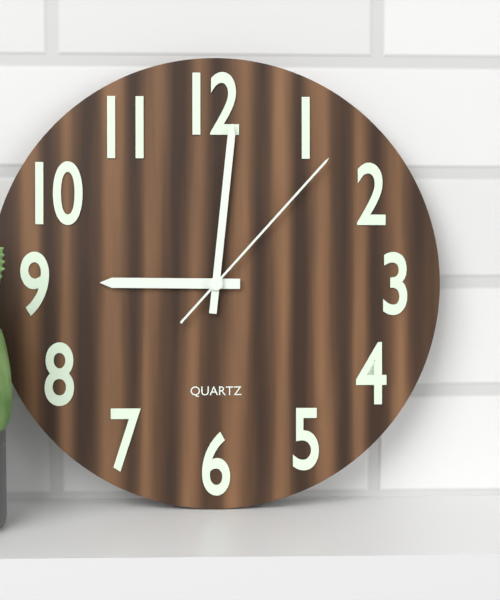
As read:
**9:01:07**
